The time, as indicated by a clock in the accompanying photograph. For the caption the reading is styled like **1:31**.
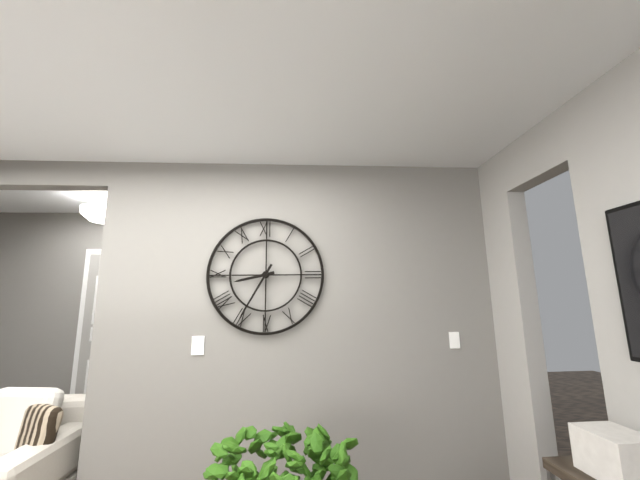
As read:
**8:35**
